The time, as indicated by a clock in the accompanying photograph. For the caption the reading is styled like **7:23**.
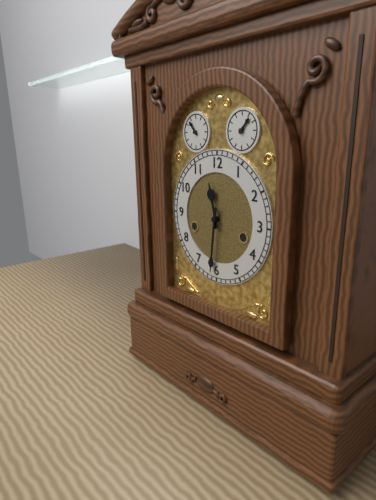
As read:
**11:31**
